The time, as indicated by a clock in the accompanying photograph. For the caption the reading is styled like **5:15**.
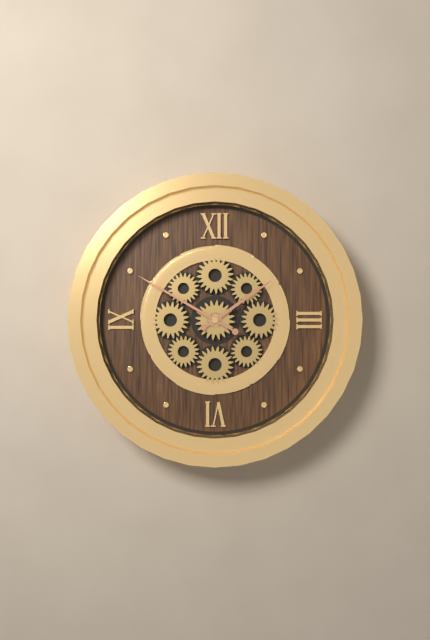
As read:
**1:50**
